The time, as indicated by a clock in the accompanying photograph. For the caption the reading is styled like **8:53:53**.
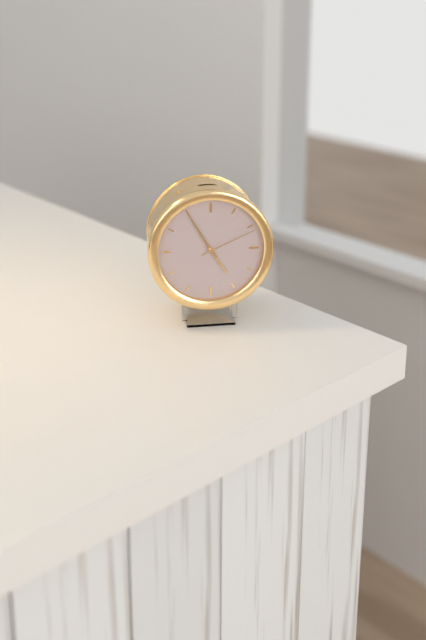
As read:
**4:55:11**
